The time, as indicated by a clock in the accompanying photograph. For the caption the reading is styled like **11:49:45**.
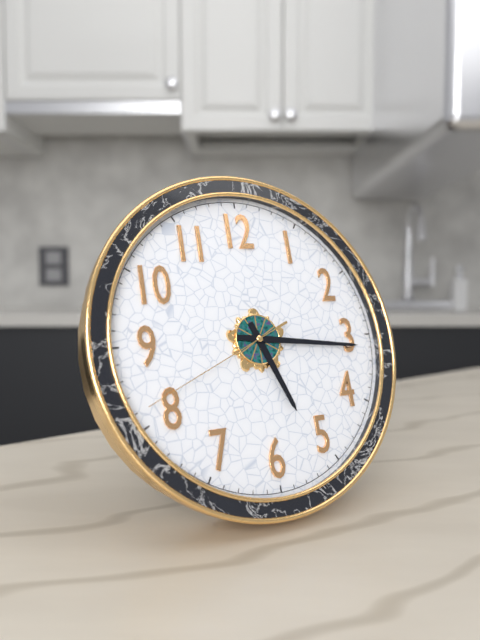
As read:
**5:16:41**
